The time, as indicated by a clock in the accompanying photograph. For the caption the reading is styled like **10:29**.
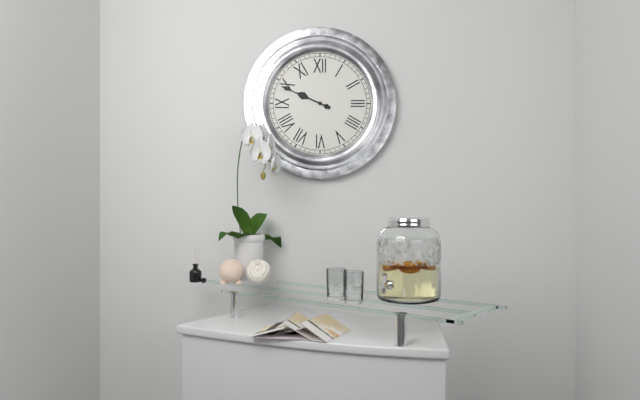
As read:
**9:49**
